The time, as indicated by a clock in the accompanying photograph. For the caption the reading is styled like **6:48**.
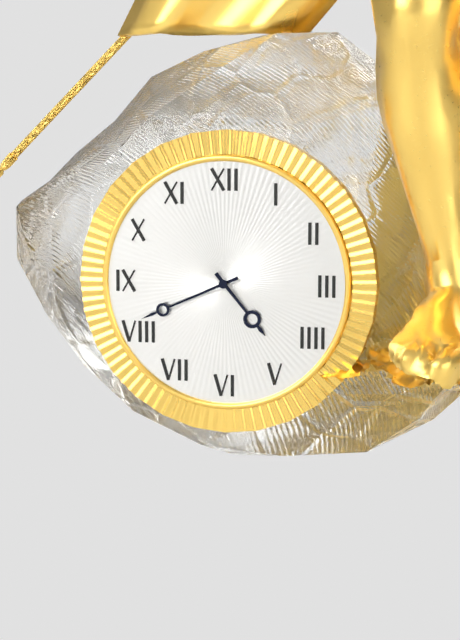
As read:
**4:41**
